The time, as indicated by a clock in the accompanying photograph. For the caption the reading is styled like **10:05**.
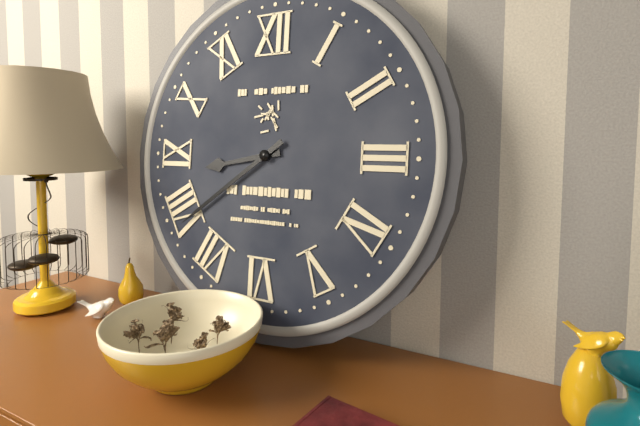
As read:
**8:39**
